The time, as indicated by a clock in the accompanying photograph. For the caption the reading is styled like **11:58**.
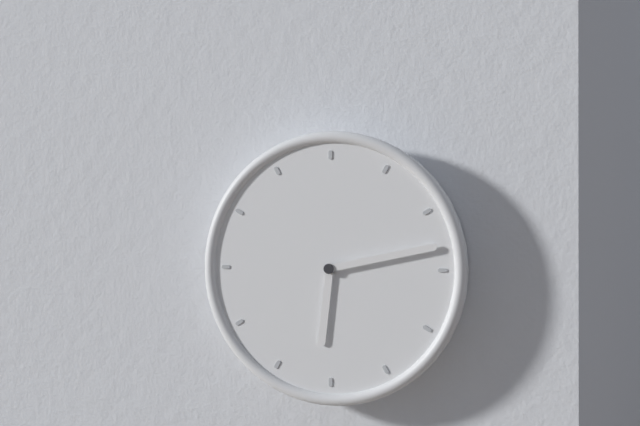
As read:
**6:13**
